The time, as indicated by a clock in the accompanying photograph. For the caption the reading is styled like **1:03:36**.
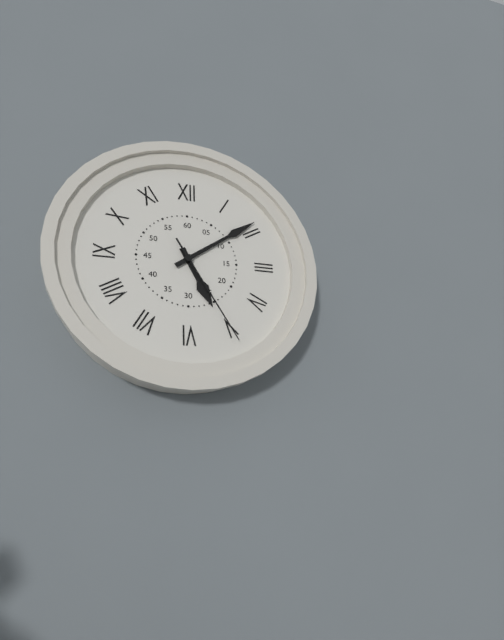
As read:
**5:09:25**
